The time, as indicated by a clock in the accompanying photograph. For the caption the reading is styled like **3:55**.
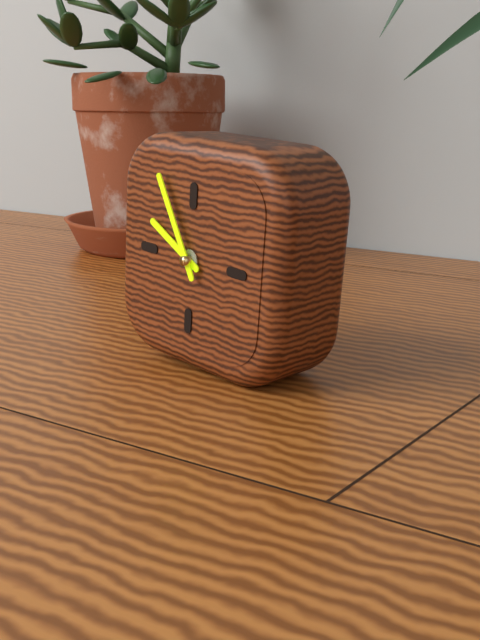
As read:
**9:55**
